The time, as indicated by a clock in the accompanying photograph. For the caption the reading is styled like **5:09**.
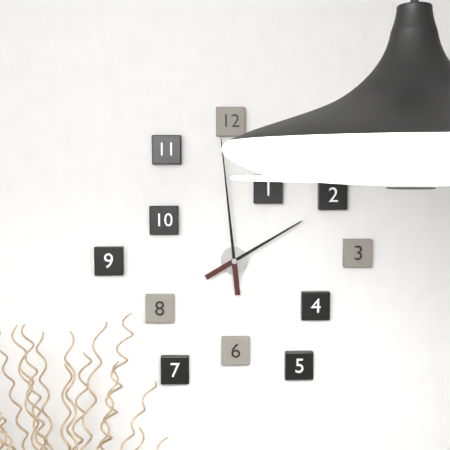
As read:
**1:59**
